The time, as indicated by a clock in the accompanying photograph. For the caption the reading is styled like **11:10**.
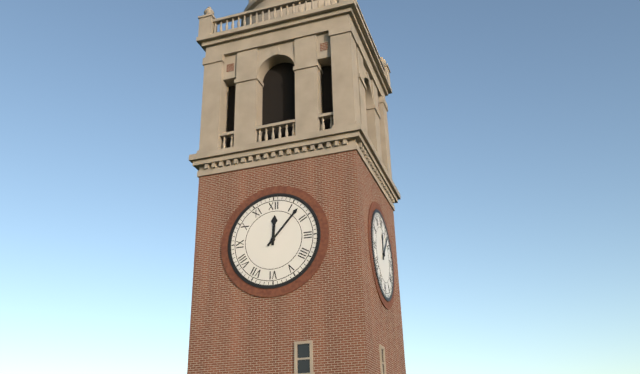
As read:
**12:07**
